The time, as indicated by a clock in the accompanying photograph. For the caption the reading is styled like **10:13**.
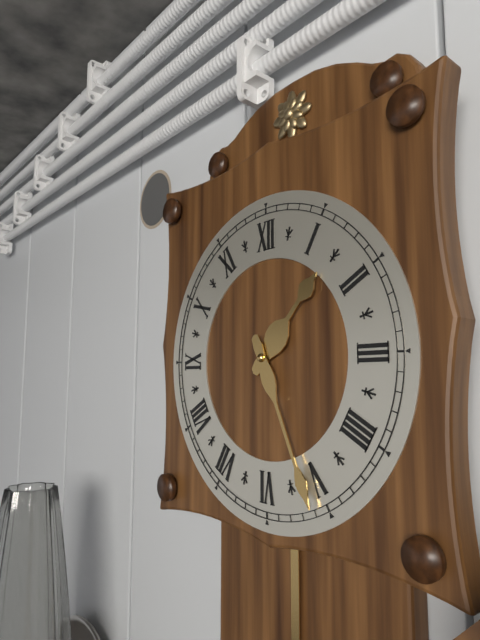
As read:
**1:26**
